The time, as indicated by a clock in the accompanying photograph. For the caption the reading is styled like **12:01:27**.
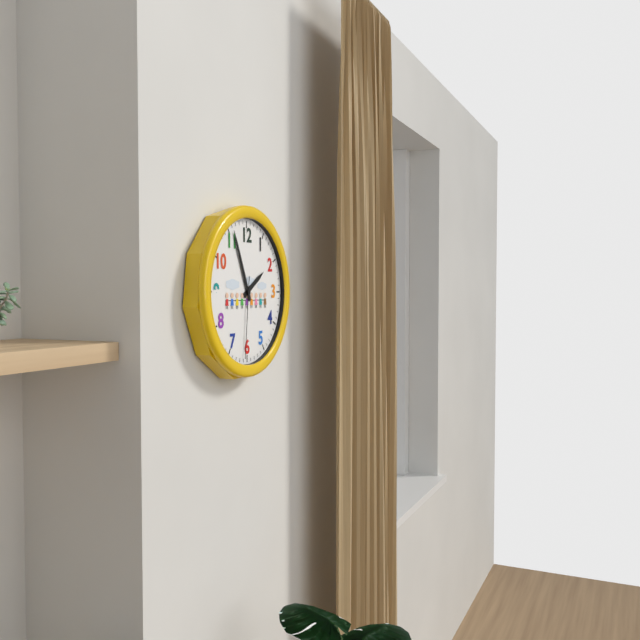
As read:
**1:56:31**
